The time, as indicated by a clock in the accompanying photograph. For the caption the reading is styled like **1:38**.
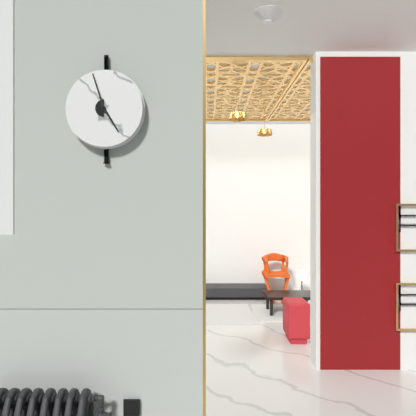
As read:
**4:57**
